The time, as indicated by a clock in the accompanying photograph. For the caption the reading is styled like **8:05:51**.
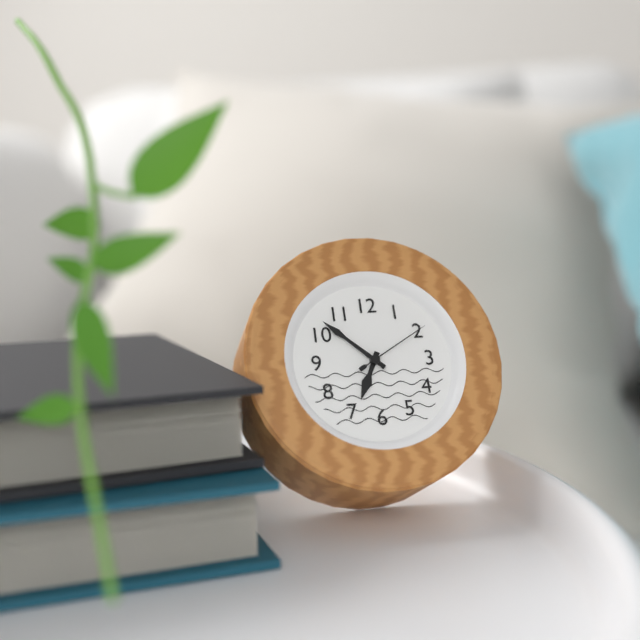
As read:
**6:52:10**
